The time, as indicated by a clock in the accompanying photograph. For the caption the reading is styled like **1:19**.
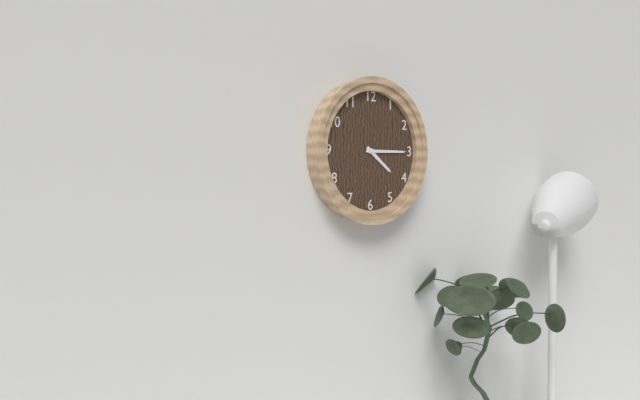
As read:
**4:15**
